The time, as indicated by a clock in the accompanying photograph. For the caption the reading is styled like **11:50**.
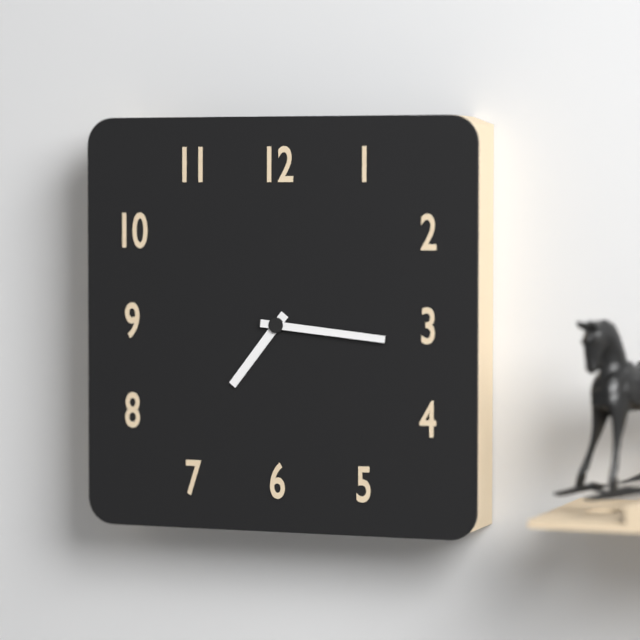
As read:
**7:16**
